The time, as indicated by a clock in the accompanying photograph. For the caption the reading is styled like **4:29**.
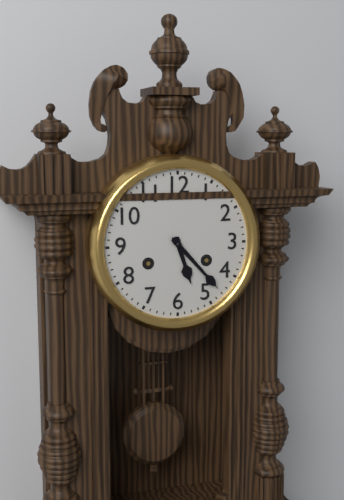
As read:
**5:23**
